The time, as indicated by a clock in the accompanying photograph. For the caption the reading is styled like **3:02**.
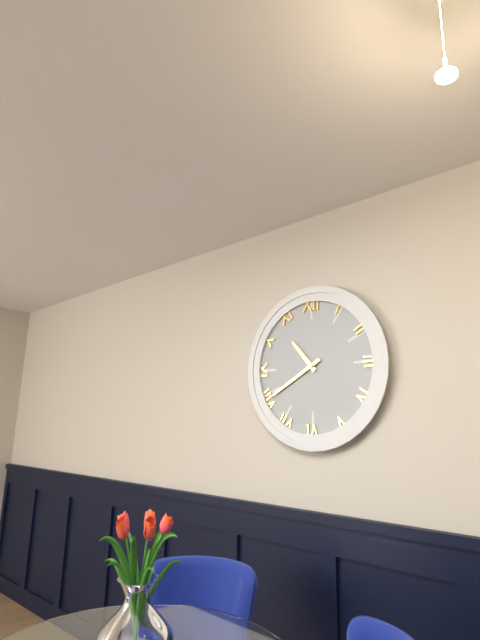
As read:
**10:40**
